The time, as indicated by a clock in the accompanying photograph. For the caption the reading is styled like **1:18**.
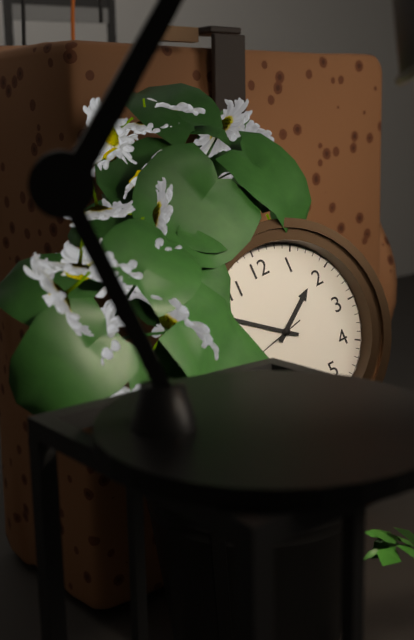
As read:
**1:51**
